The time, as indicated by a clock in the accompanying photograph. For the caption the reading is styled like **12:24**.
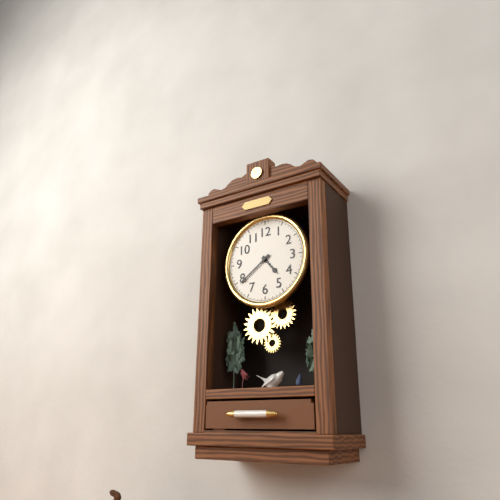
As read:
**4:39**
